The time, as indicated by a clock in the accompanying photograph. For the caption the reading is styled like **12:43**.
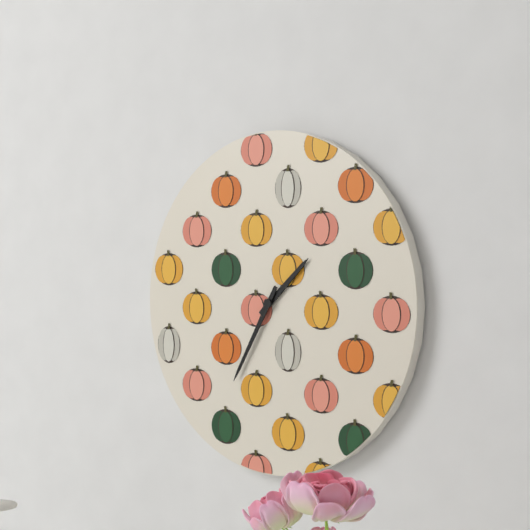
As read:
**1:35**
